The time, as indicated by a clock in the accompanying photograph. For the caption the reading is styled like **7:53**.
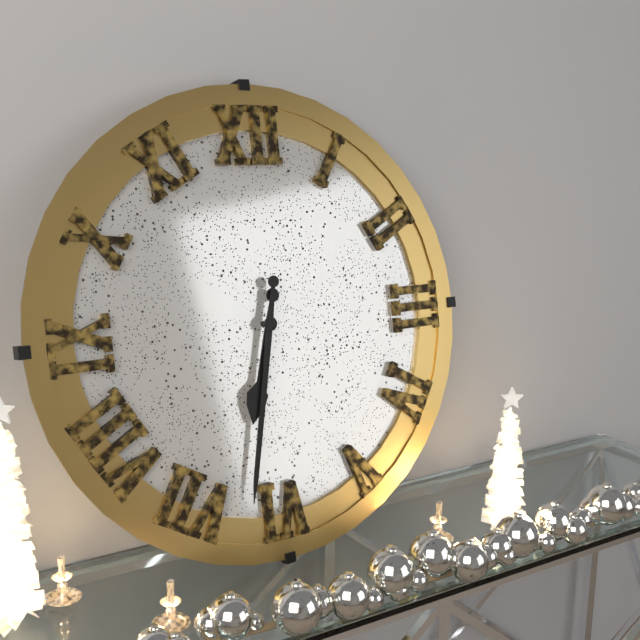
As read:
**6:32**
